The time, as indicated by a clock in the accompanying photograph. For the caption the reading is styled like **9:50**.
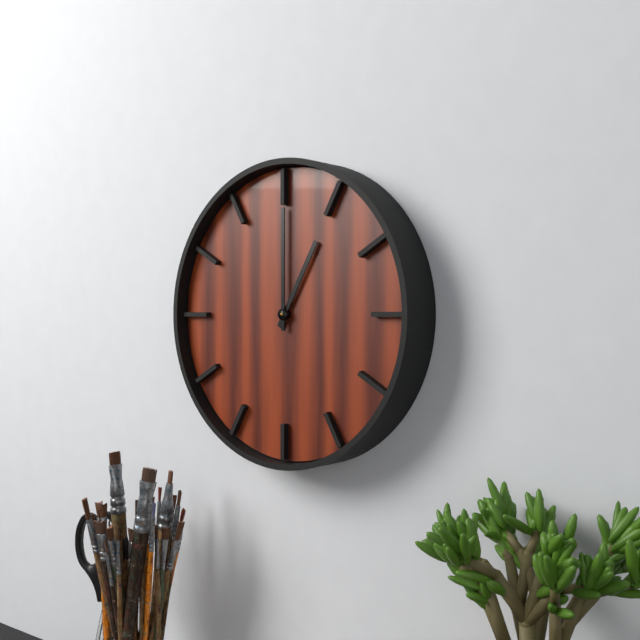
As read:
**1:00**
